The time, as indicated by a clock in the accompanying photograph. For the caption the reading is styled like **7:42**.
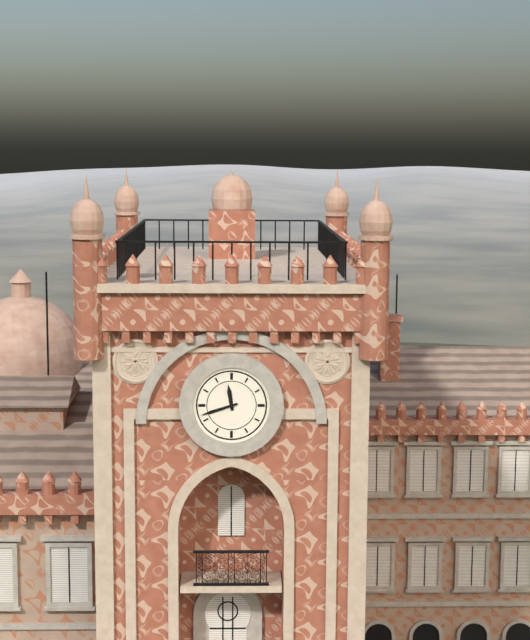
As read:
**11:42**
